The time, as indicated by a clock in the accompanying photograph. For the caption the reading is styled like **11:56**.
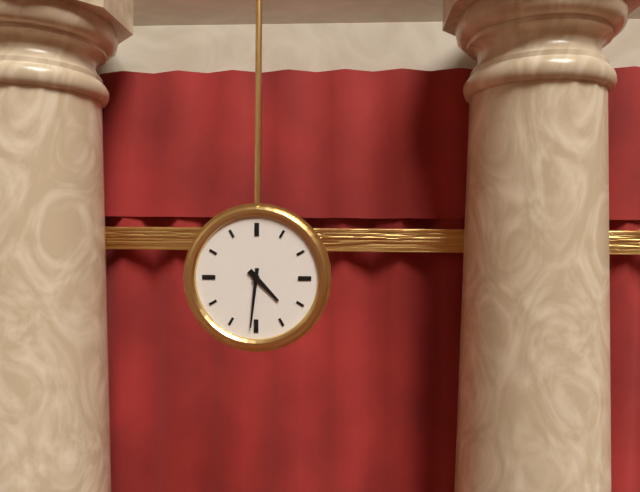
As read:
**4:31**
